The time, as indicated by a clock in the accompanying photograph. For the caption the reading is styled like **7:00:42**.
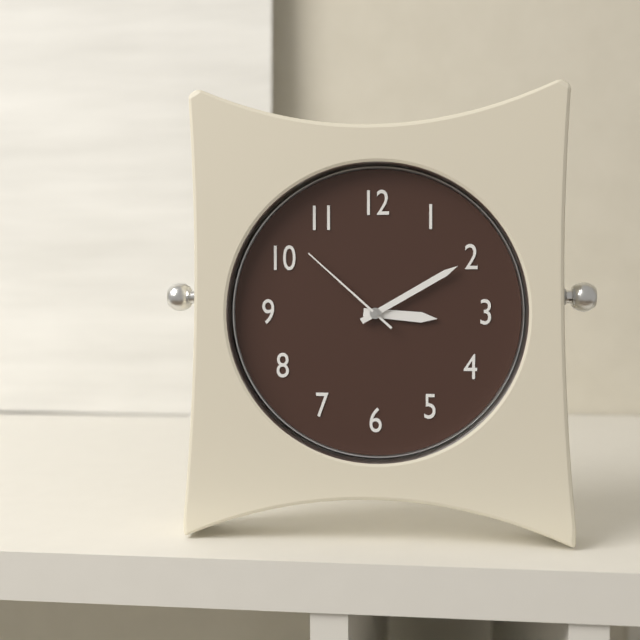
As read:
**3:10:52**
